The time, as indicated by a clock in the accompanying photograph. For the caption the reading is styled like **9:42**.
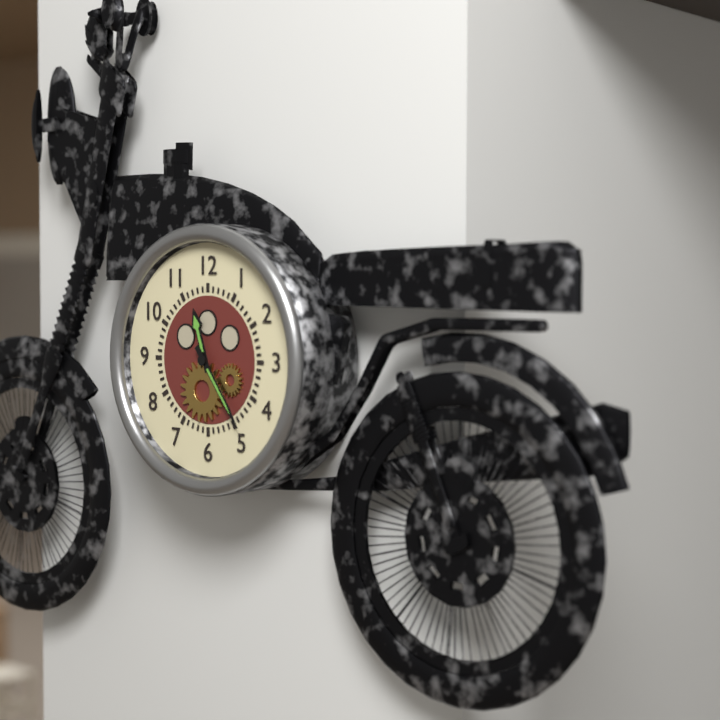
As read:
**11:24**
